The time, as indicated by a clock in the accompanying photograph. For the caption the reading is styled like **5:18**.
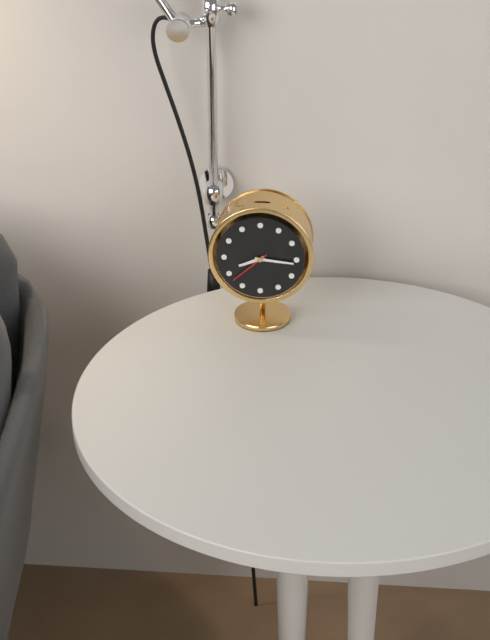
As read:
**8:16**
